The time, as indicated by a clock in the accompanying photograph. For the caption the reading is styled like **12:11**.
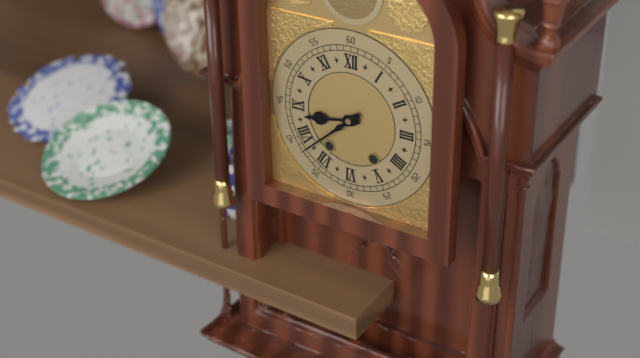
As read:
**8:38**
